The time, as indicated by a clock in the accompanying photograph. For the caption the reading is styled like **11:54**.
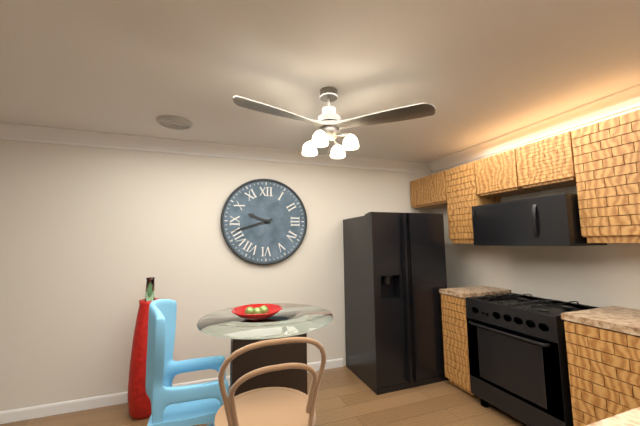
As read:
**9:42**
